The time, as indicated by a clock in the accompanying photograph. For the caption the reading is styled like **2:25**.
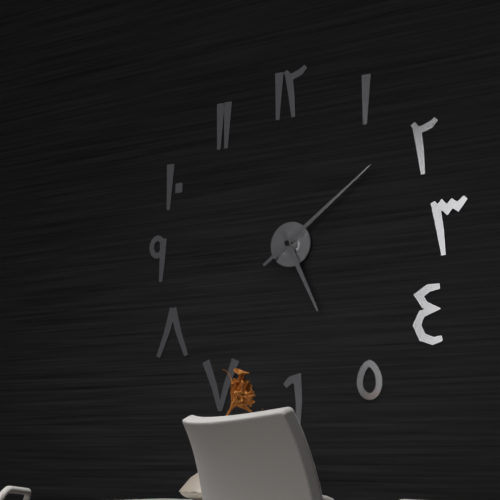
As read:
**5:09**
